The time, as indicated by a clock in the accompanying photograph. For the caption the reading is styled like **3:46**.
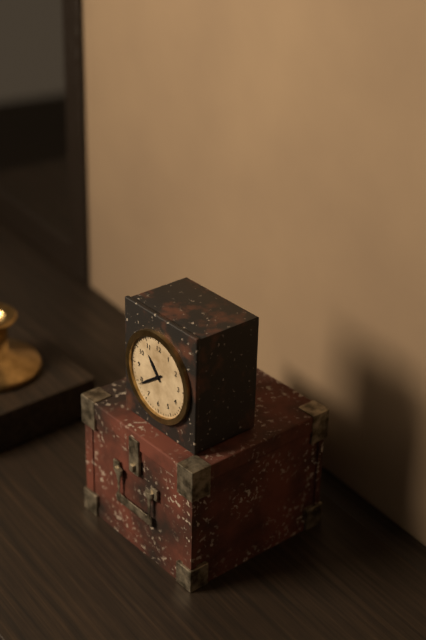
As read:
**10:39**
